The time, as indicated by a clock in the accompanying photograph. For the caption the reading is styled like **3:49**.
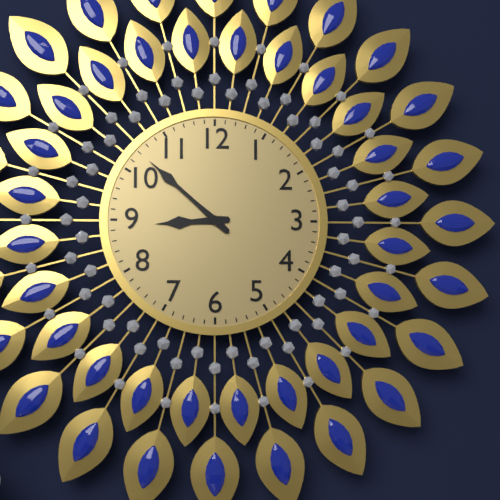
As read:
**8:52**
